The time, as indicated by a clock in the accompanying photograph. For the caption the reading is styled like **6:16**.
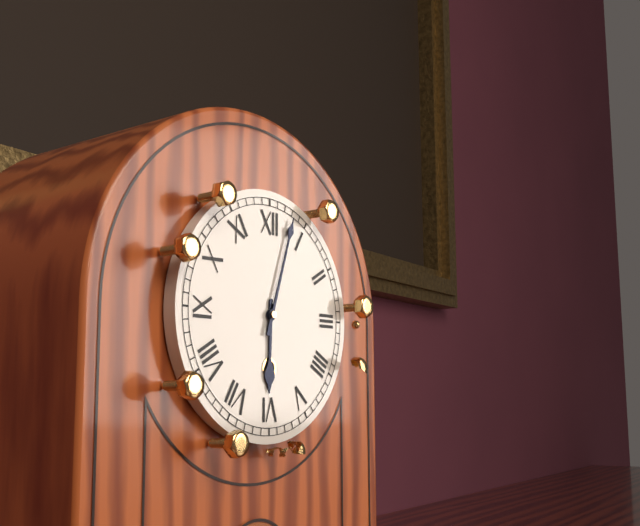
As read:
**6:03**
